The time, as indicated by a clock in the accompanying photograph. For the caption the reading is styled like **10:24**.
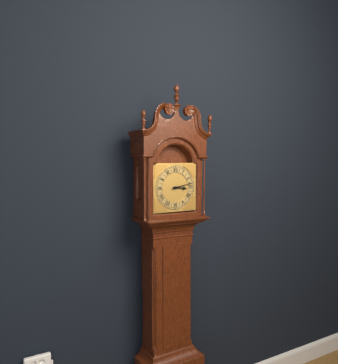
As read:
**3:13**
